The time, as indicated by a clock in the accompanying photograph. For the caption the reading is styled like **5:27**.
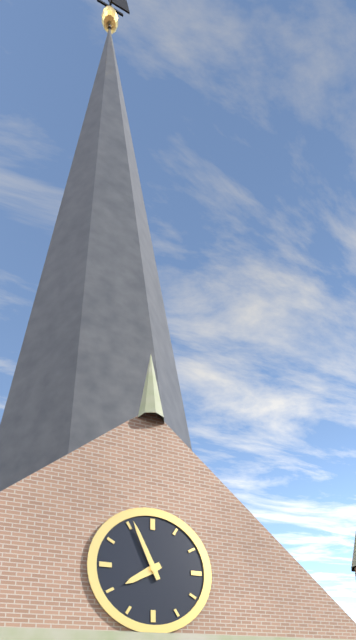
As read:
**7:56**
